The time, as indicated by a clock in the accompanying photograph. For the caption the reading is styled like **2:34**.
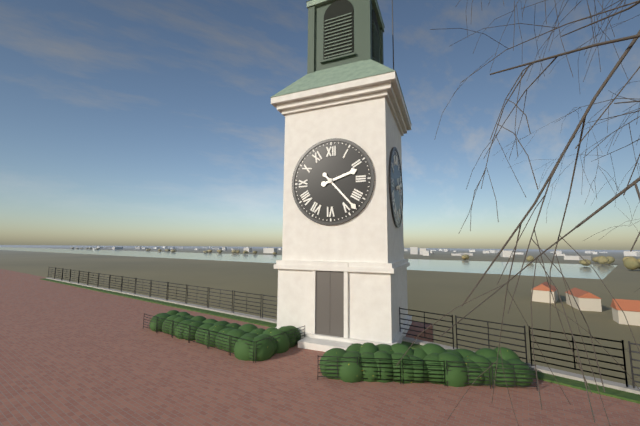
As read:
**2:23**
